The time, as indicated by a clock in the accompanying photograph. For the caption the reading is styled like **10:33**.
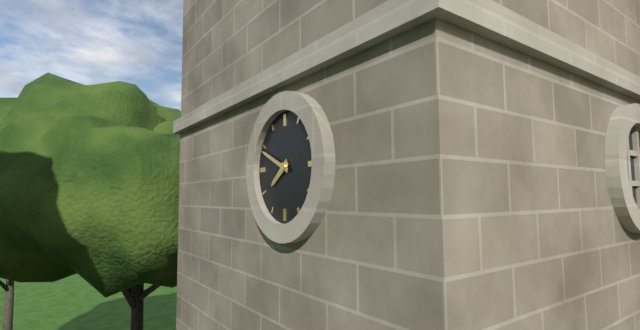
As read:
**7:49**
